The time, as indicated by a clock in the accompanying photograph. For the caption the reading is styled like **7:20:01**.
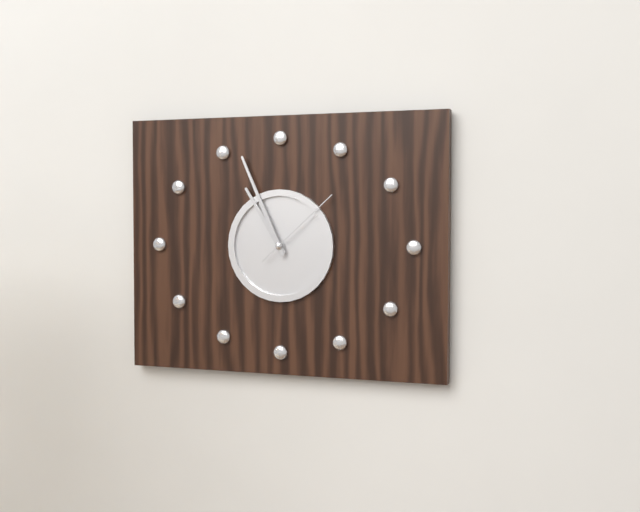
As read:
**10:56:08**
